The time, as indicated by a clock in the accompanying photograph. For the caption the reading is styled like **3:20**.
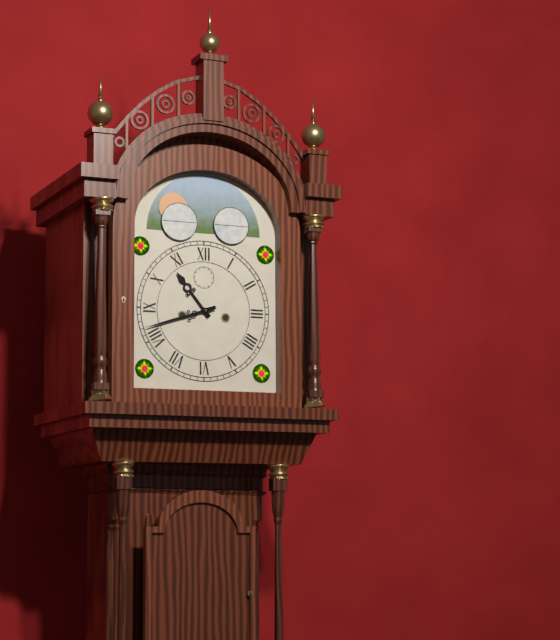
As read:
**10:42**
